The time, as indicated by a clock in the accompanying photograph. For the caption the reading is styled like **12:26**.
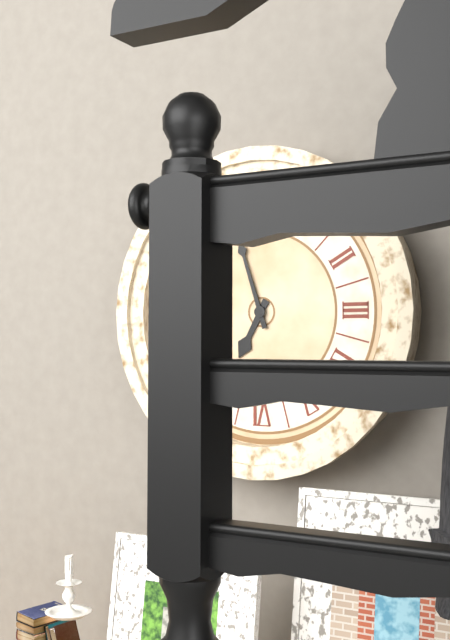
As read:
**6:57**
